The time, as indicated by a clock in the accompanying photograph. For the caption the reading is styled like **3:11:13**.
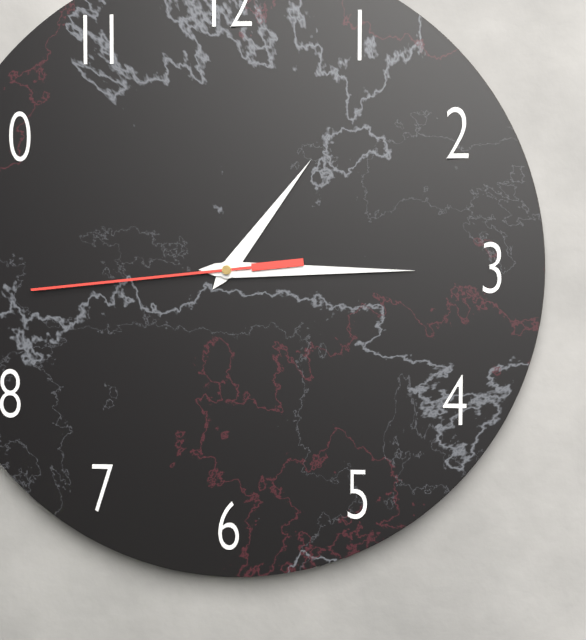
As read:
**1:15:44**
